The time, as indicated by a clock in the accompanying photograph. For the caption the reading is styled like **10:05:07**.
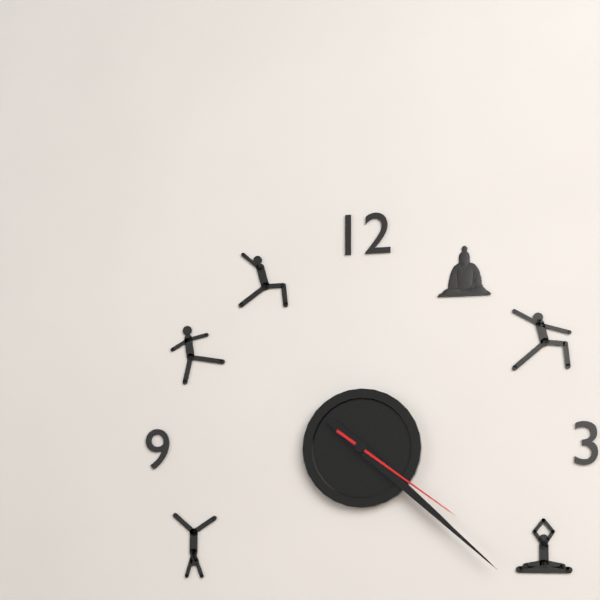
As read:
**4:22:21**
